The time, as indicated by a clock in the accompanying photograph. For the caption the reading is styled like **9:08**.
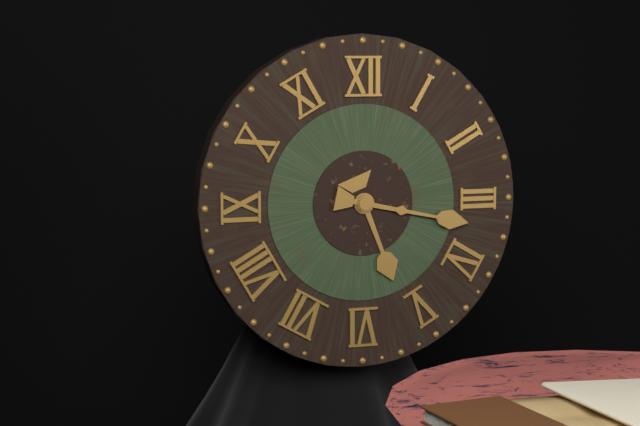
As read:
**5:17**
